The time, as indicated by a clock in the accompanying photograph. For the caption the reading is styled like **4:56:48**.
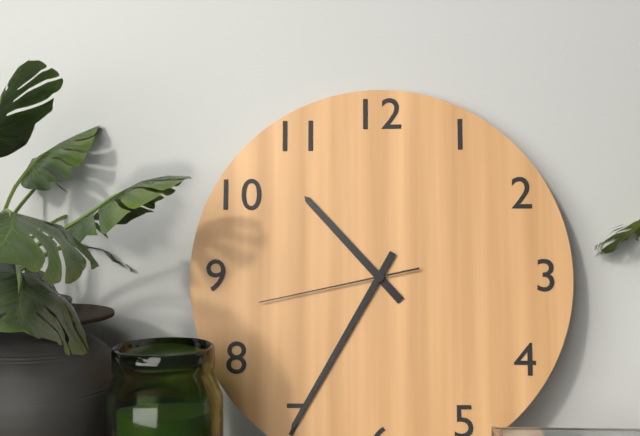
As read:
**10:35:43**
